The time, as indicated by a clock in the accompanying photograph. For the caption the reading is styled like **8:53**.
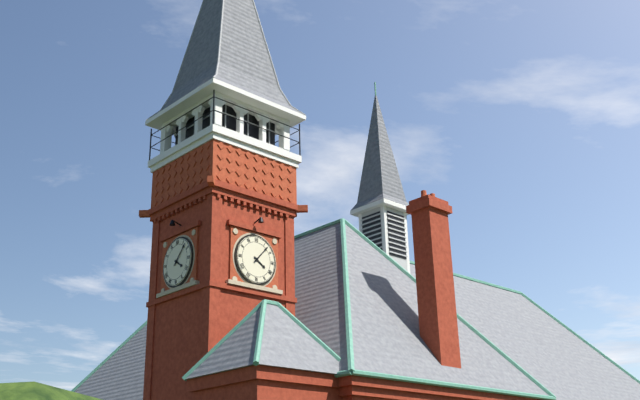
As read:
**4:07**
